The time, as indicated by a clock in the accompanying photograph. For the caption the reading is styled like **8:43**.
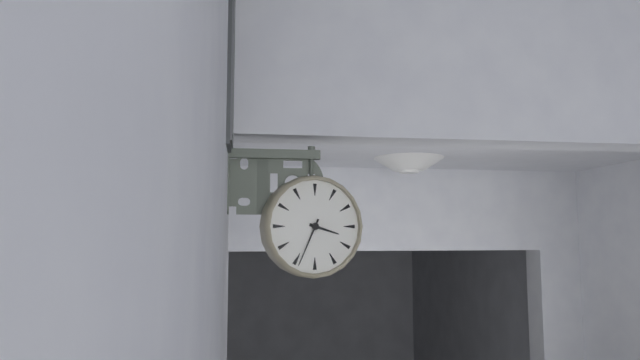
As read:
**3:34**
